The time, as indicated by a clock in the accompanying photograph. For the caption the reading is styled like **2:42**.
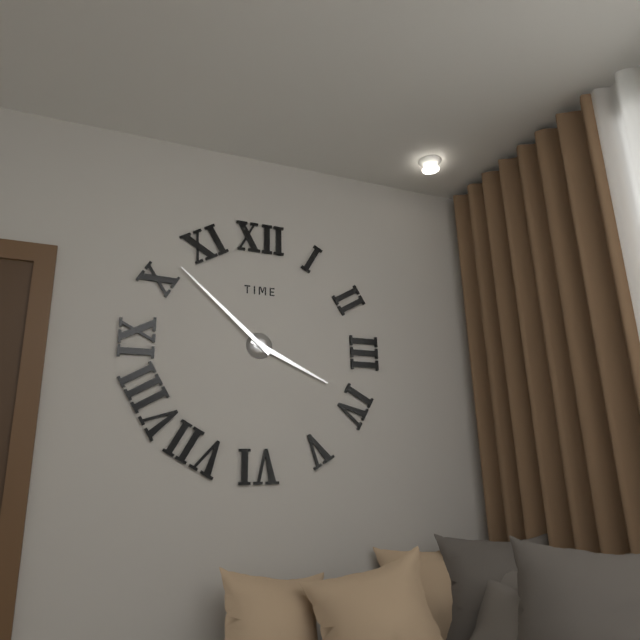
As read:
**3:52**
